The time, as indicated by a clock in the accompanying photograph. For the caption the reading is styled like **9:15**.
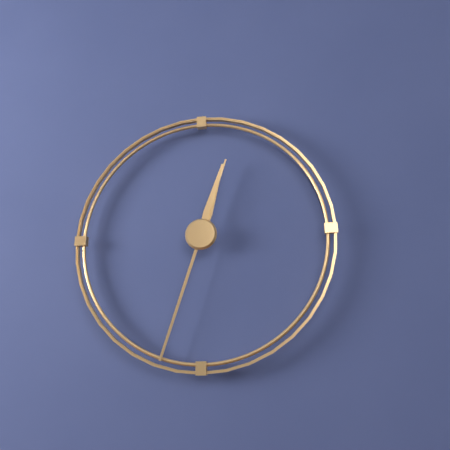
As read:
**12:33**
